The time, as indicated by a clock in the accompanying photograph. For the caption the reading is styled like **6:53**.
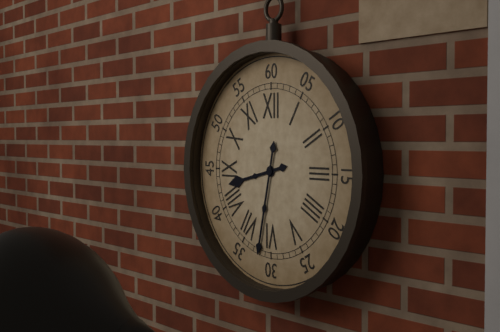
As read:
**8:32**
